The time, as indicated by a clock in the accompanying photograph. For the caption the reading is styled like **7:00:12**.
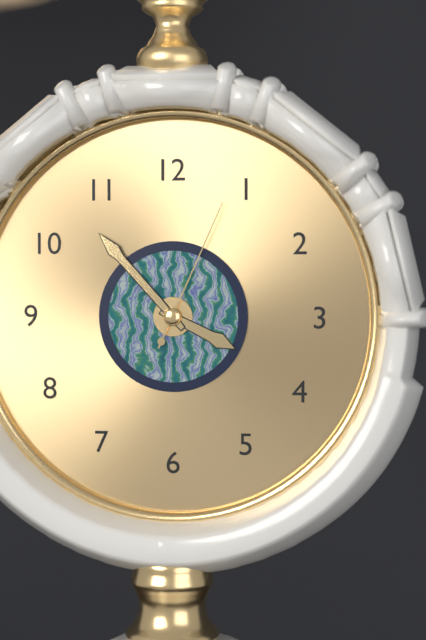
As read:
**3:53:04**
